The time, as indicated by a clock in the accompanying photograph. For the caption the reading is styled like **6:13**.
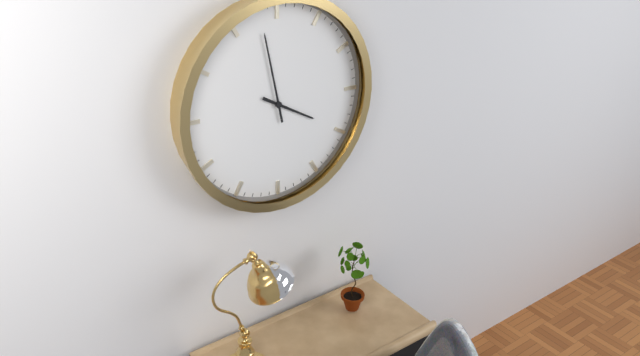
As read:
**3:58**
